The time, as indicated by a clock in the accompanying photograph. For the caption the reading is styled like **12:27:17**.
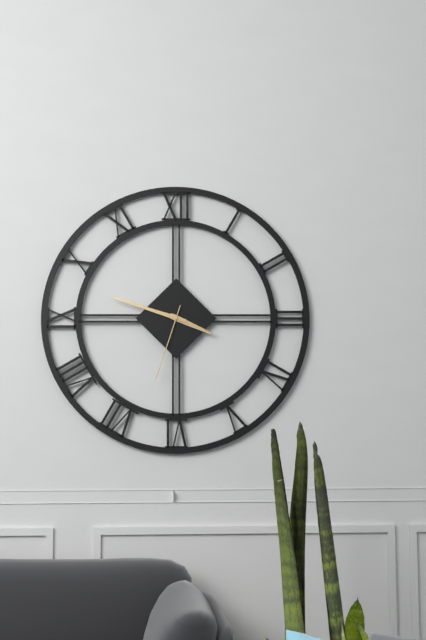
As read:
**3:48:33**
